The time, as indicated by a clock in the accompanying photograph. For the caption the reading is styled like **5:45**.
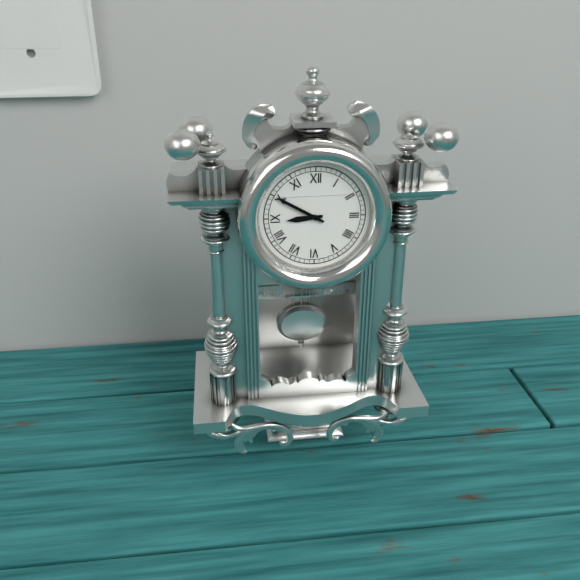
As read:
**8:50**
